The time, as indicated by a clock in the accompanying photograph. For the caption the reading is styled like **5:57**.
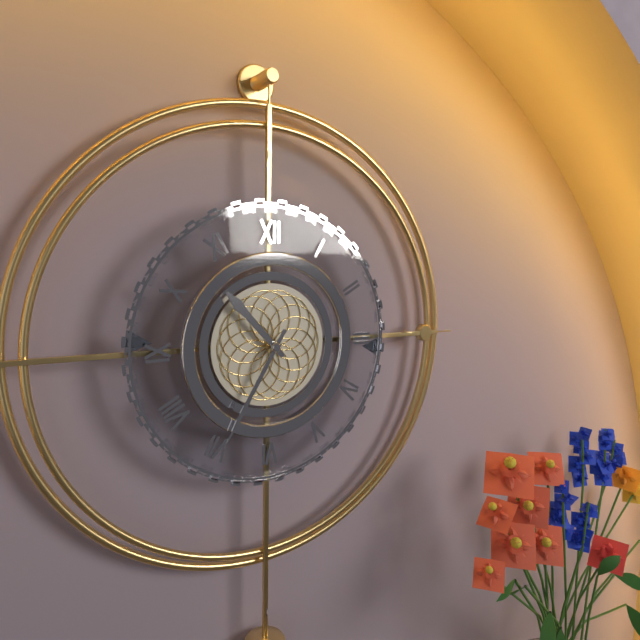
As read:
**10:35**
